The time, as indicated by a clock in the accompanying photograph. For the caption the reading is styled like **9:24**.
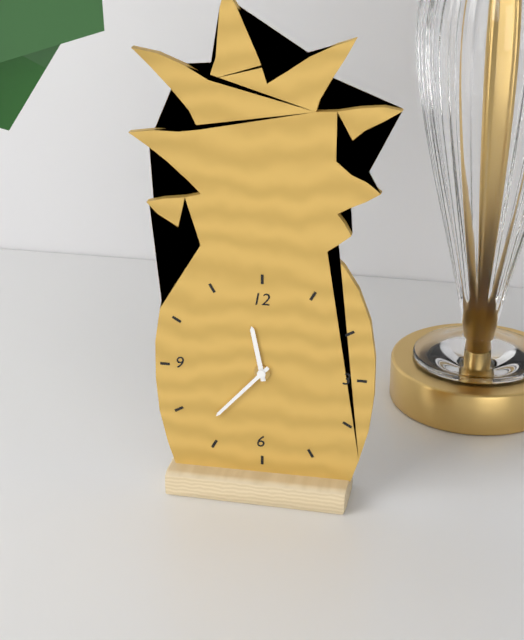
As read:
**11:37**
